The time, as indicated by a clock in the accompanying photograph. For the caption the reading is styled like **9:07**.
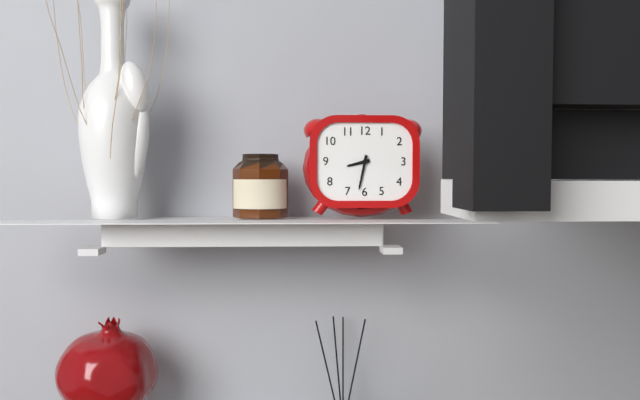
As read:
**8:32**
